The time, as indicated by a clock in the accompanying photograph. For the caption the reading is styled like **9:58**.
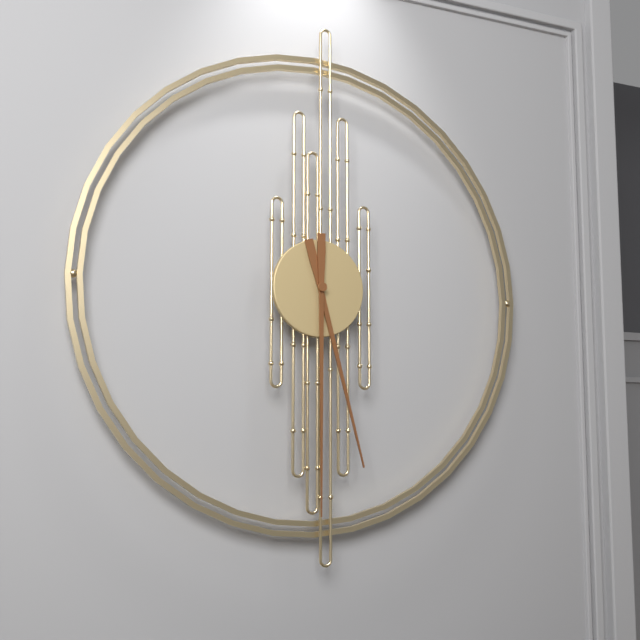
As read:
**5:30**
